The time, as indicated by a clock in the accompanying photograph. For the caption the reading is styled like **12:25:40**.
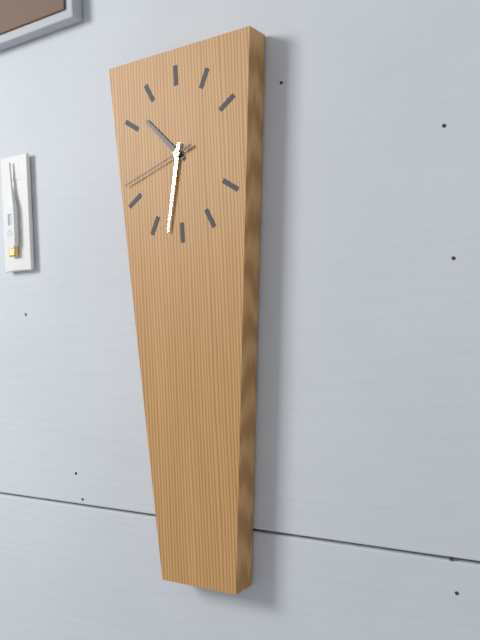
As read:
**10:32:42**
